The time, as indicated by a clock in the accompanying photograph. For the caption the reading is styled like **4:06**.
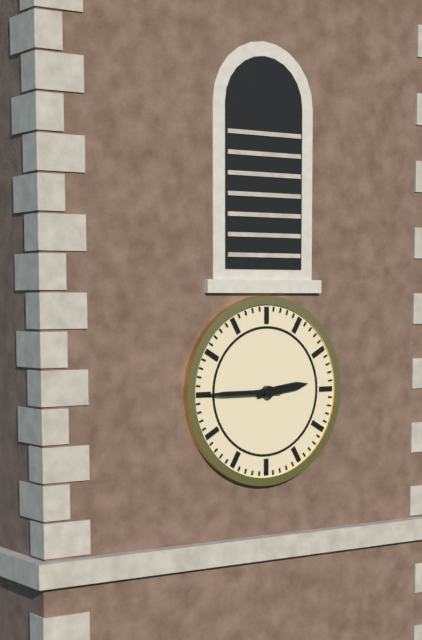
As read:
**2:45**
